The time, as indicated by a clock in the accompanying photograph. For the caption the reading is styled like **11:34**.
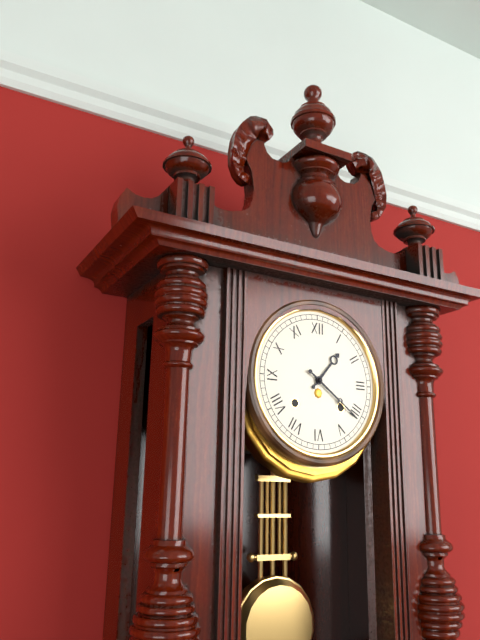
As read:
**1:21**
